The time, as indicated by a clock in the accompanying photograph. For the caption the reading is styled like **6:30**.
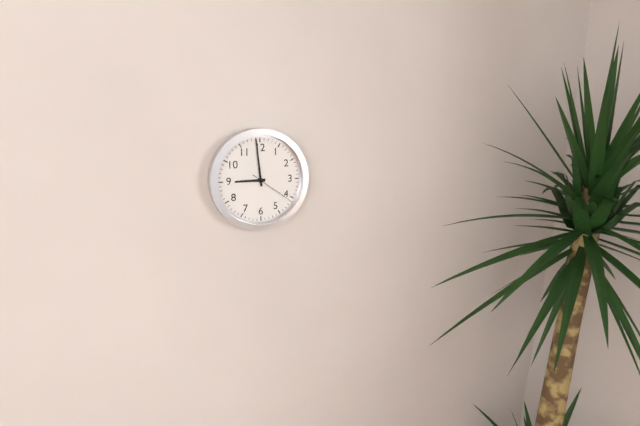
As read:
**8:59**
